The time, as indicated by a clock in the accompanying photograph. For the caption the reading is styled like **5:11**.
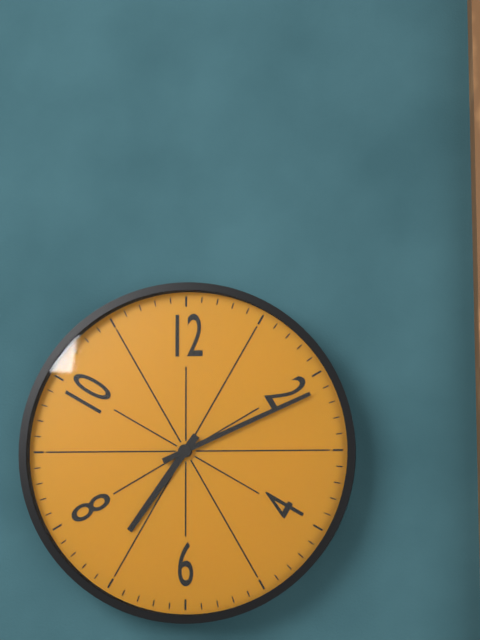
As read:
**7:11**
